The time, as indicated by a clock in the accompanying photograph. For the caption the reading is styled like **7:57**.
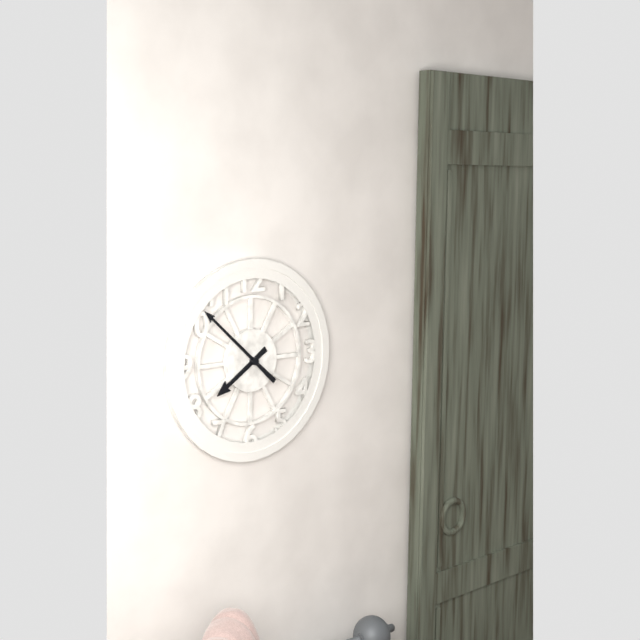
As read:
**7:52**
